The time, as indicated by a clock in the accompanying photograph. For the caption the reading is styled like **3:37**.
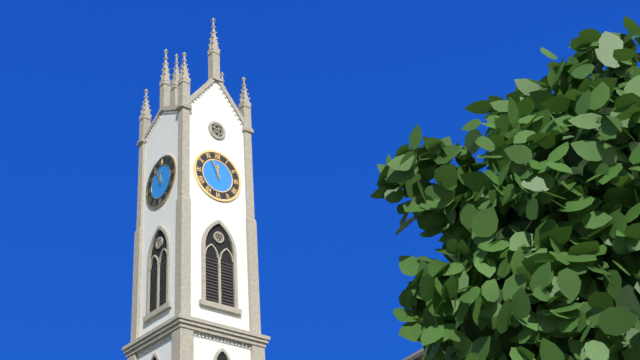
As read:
**11:56**
